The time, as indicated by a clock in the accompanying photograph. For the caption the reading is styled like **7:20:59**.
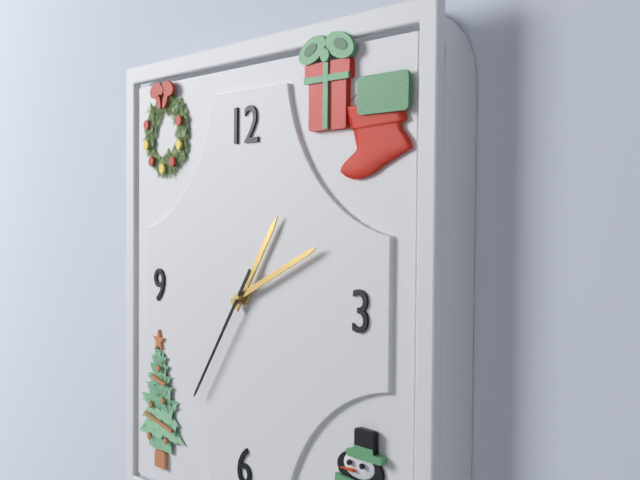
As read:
**1:11:36**
